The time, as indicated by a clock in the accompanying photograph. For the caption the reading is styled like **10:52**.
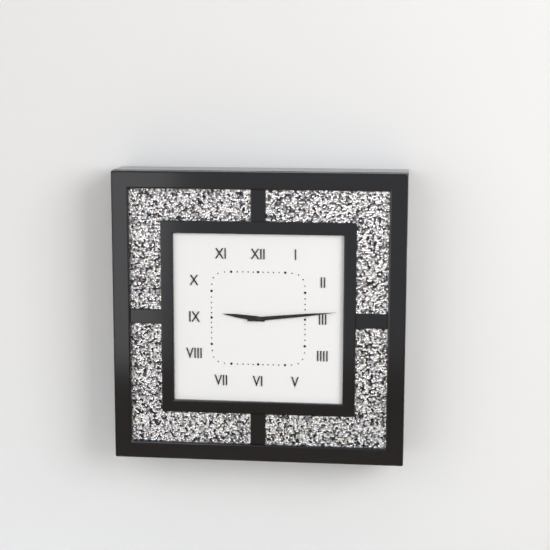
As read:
**9:14**
